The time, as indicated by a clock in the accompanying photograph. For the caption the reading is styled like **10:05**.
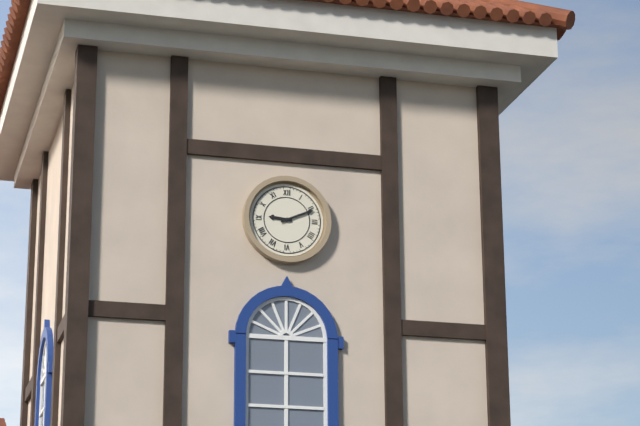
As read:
**9:11**
